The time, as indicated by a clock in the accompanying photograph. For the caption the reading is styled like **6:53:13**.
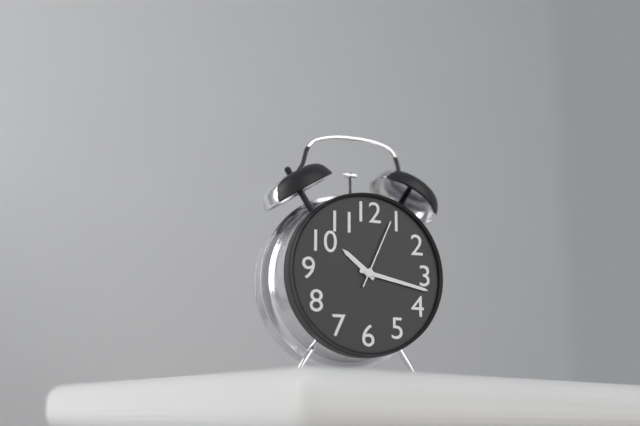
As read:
**10:17:04**
